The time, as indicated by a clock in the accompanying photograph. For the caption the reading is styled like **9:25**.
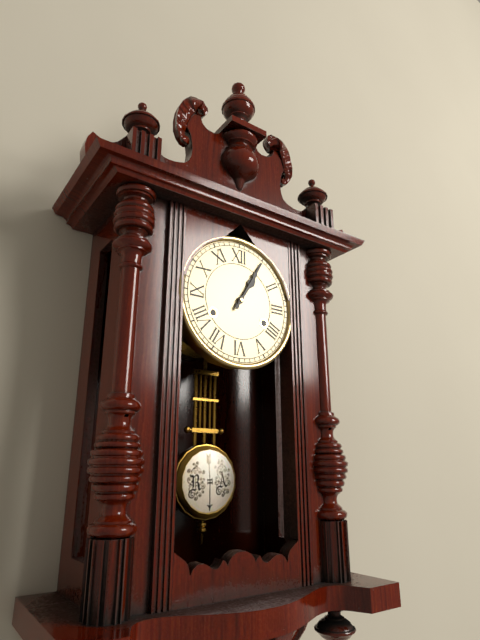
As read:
**1:05**
